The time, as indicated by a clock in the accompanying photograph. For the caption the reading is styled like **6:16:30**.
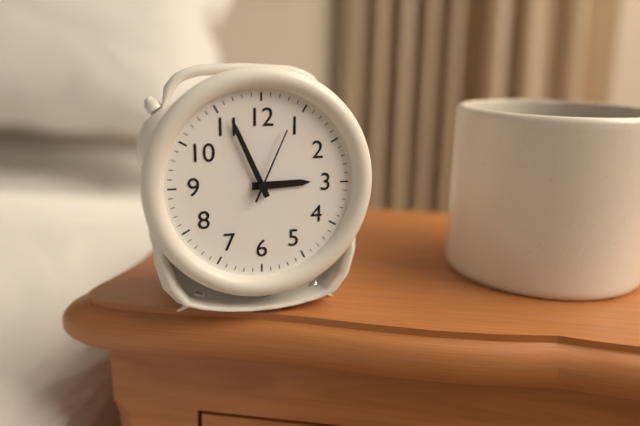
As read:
**2:56:04**
